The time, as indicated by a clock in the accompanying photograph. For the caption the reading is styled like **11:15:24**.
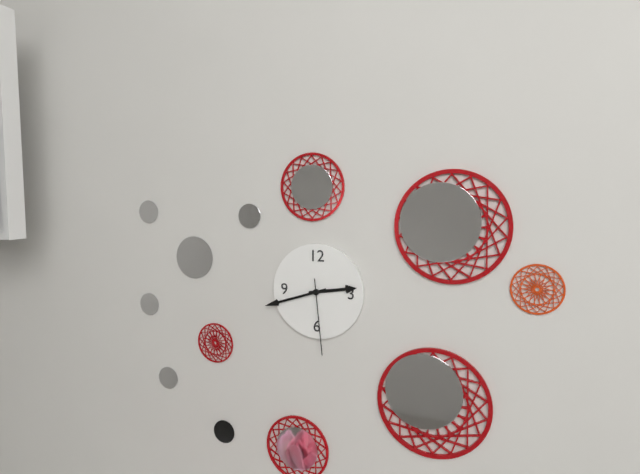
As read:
**2:42:29**
